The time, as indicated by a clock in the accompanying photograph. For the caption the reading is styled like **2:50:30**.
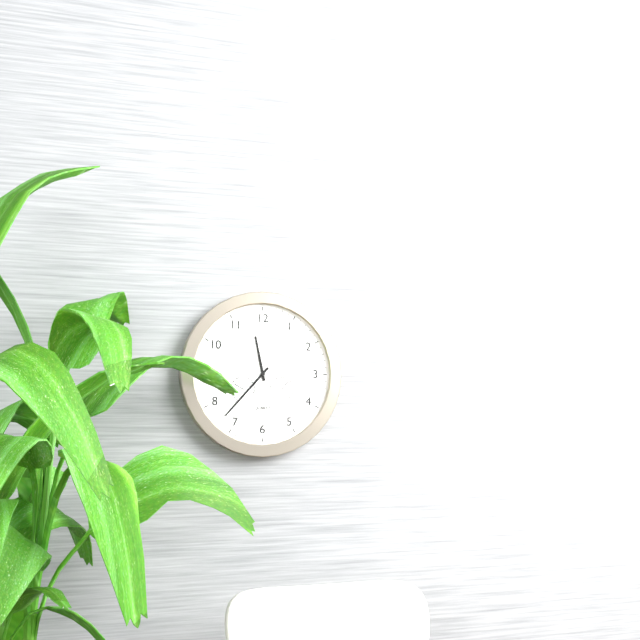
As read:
**11:37:45**
